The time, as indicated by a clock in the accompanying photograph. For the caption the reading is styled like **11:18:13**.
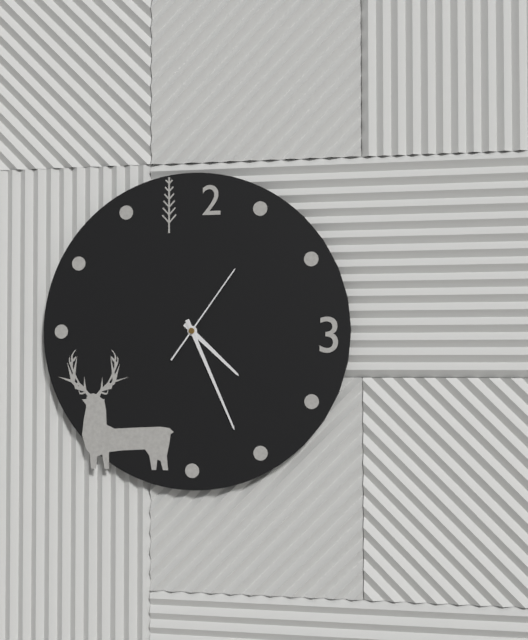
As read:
**4:26:06**
